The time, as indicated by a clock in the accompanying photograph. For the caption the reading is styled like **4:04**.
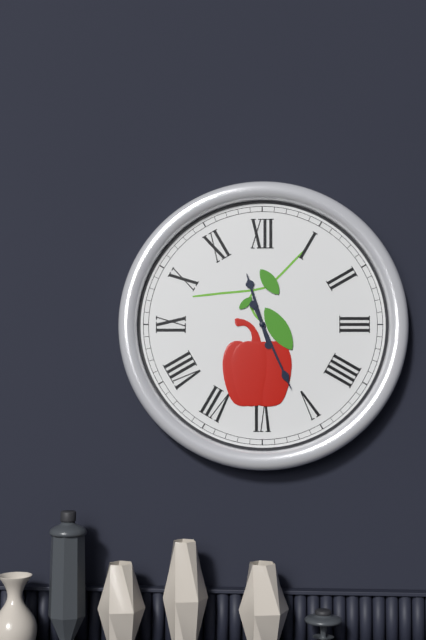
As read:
**11:26**
